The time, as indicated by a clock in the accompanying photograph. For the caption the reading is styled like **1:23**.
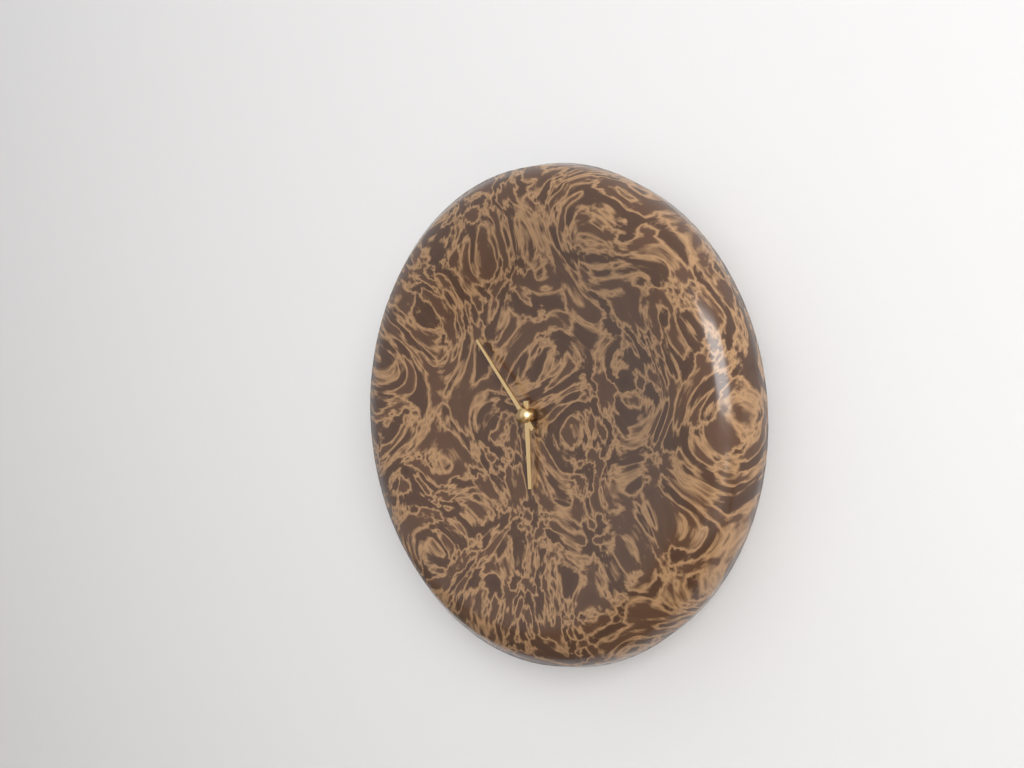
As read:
**5:53**
